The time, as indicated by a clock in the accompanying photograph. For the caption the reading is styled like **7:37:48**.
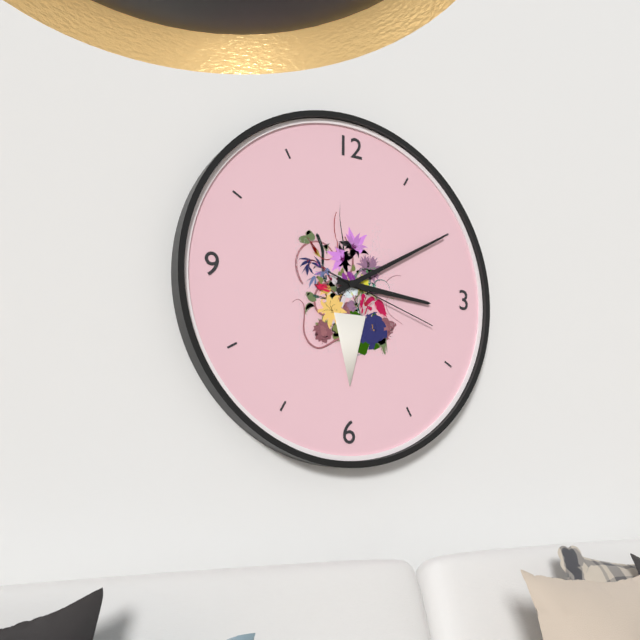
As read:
**3:10:18**
